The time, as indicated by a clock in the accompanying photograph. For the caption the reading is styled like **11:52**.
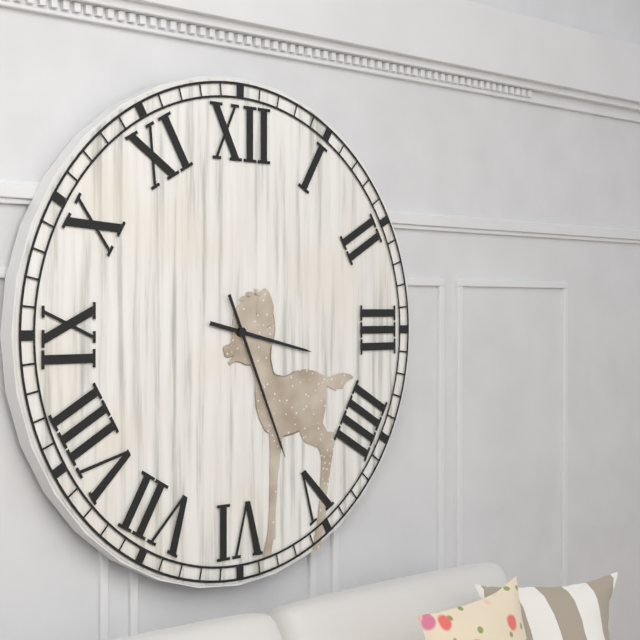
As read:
**3:26**
